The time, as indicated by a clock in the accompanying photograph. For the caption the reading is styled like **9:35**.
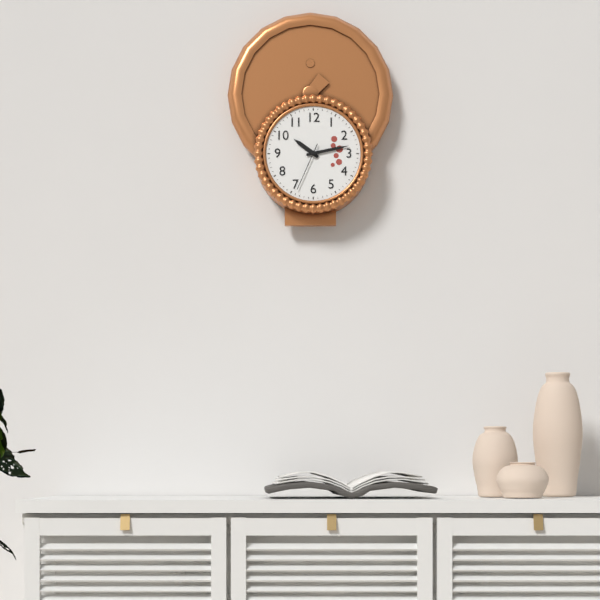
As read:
**10:13**
